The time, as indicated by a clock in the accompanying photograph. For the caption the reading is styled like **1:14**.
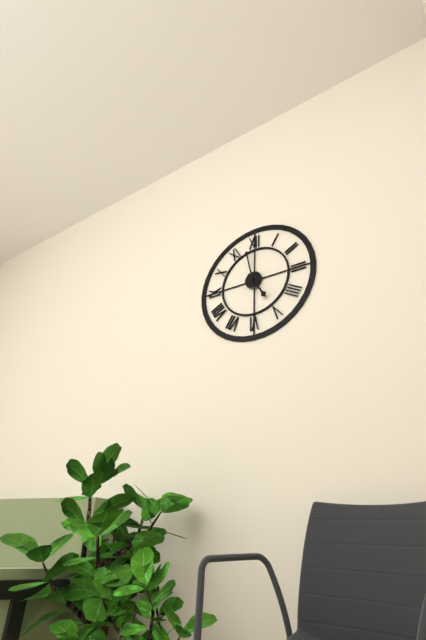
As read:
**4:58**
